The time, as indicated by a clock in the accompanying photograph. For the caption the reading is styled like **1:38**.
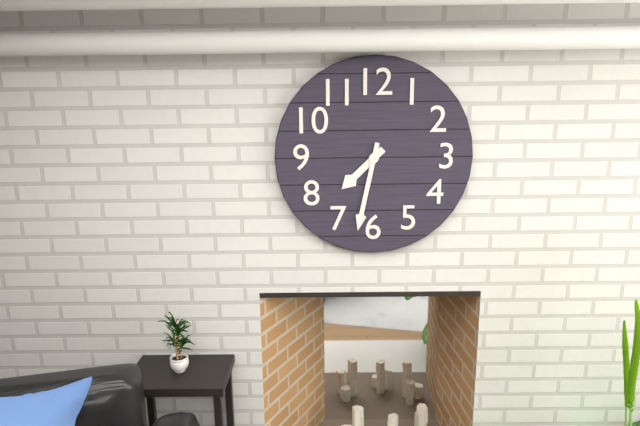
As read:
**7:32**
